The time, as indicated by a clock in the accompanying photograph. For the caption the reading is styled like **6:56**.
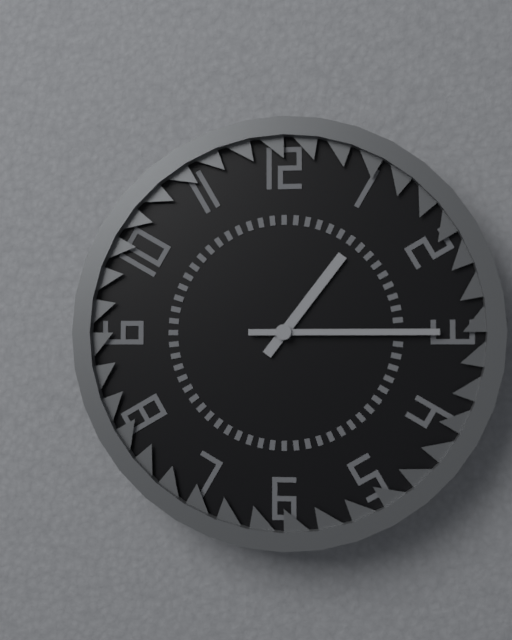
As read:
**1:15**
